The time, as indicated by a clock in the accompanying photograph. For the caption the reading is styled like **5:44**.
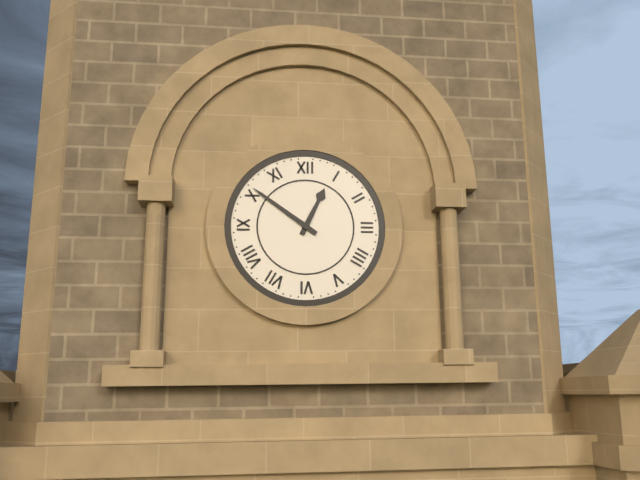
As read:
**12:51**
